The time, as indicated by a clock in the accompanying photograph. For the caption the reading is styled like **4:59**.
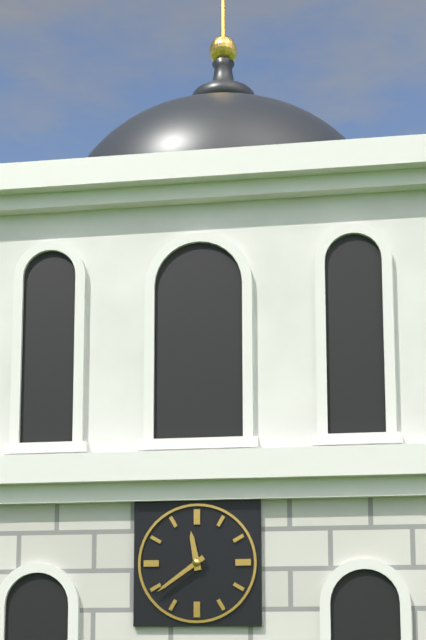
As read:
**11:39**
